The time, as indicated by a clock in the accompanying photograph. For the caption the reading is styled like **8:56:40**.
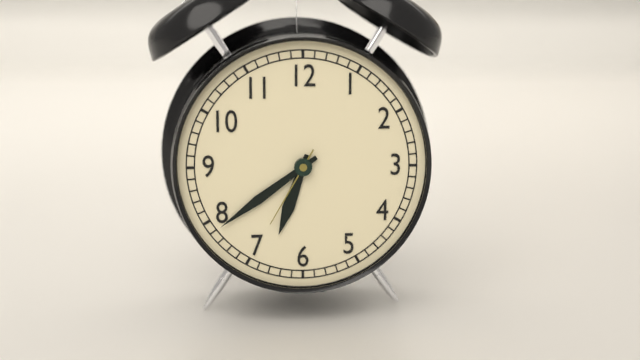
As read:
**6:39:35**
